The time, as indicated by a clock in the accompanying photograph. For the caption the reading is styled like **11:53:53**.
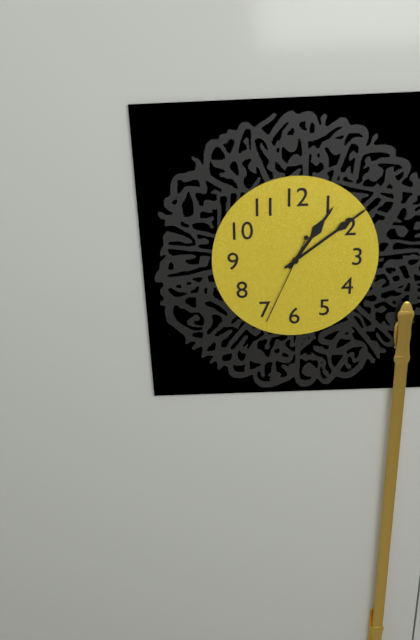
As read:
**1:09:34**
